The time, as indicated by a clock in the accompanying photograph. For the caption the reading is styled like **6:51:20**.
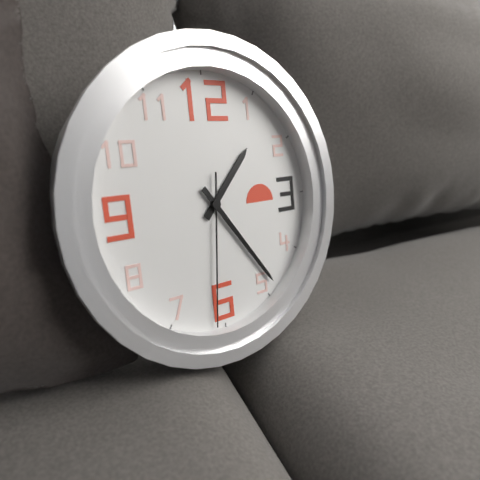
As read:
**1:24:31**
